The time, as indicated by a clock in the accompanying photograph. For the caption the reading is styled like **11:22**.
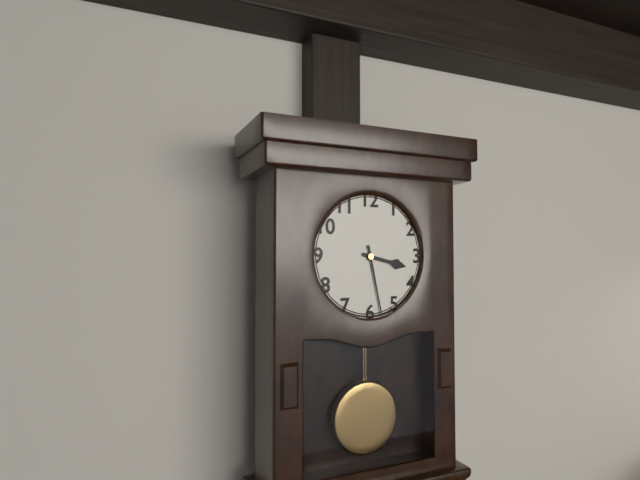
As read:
**3:28**
